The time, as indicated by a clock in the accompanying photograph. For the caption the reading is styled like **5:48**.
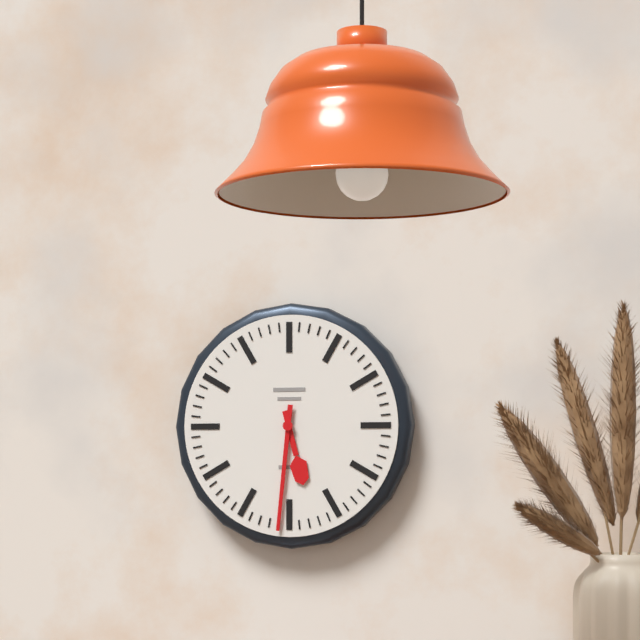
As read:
**5:31**
